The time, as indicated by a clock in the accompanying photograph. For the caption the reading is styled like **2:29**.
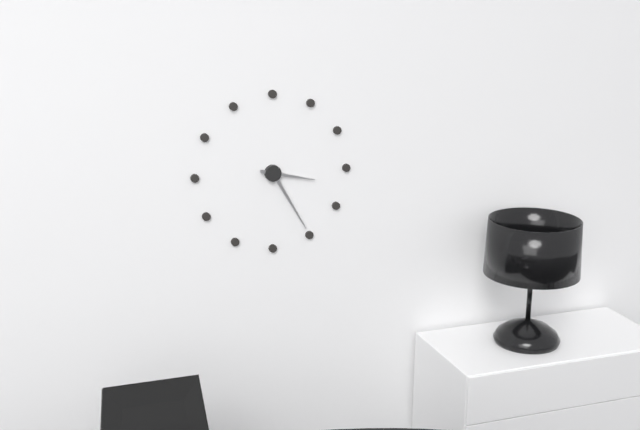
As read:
**3:25**
